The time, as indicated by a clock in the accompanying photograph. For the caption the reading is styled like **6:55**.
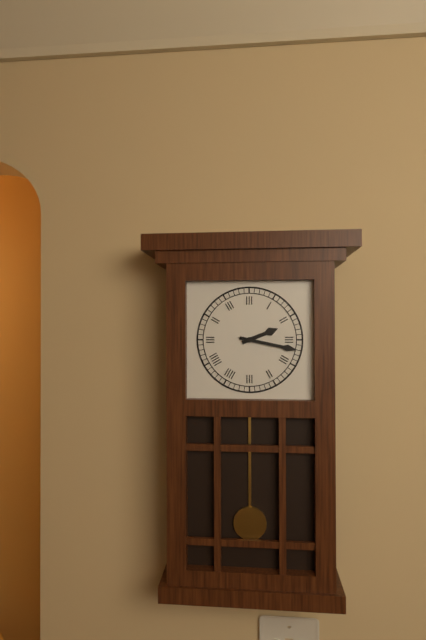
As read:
**2:17**
